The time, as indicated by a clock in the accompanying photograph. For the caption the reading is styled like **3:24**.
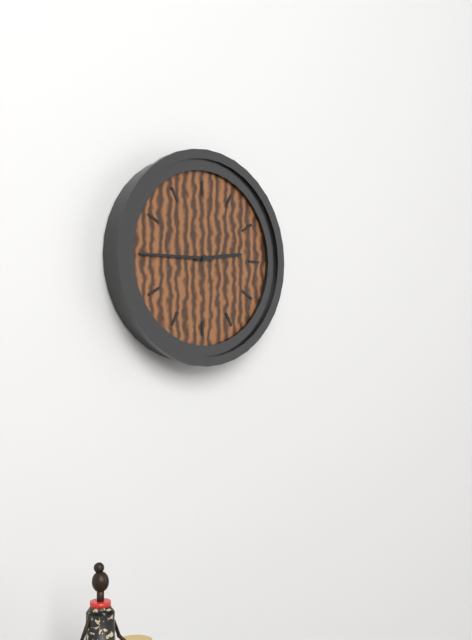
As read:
**2:45**
